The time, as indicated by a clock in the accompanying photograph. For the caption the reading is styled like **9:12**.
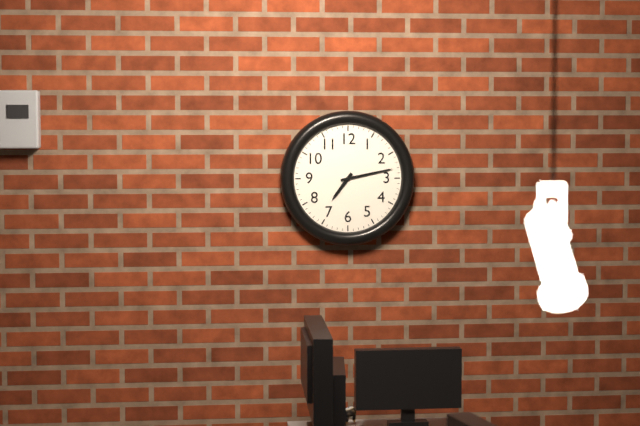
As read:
**7:13**
